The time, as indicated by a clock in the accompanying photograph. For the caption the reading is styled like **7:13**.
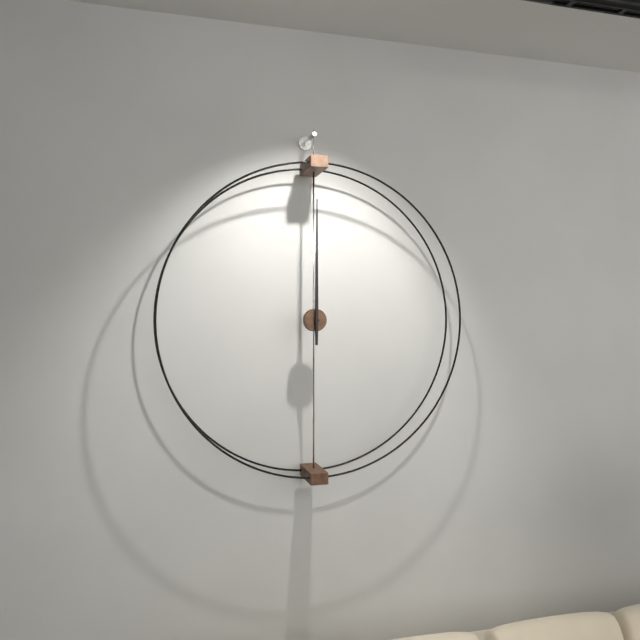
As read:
**12:00**
